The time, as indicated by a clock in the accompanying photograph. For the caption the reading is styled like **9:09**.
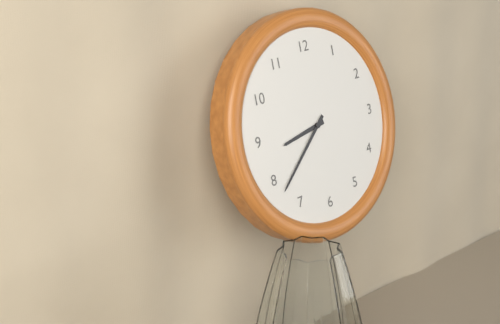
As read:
**8:38**
